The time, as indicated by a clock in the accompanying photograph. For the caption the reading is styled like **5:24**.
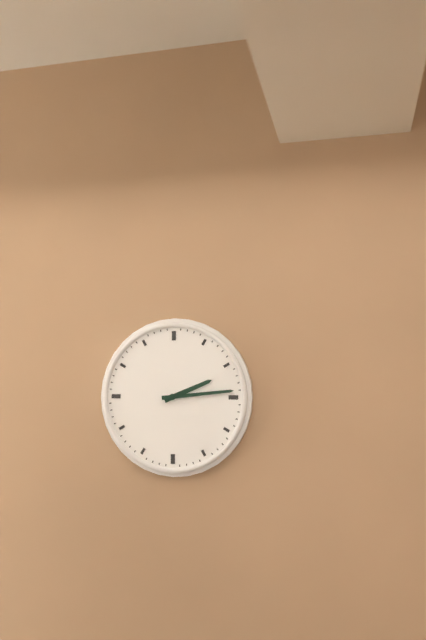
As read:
**2:14**
